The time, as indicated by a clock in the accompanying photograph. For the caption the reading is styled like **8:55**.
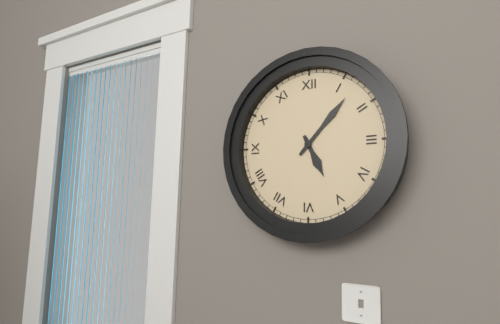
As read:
**5:07**
